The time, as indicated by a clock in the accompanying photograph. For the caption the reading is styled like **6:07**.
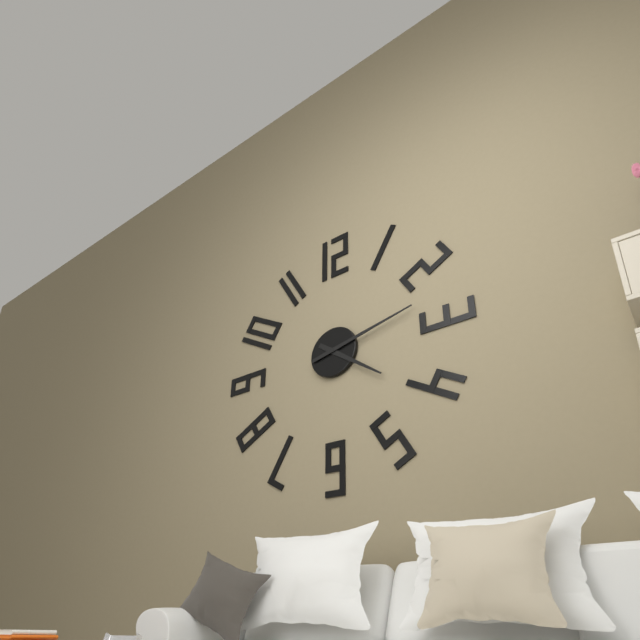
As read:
**4:13**
